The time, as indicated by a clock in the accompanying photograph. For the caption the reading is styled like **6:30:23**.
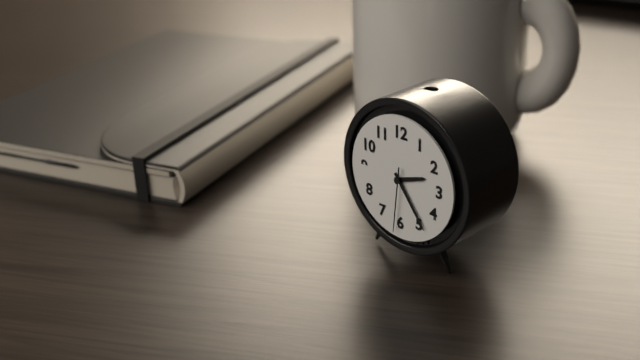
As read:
**2:24:31**
